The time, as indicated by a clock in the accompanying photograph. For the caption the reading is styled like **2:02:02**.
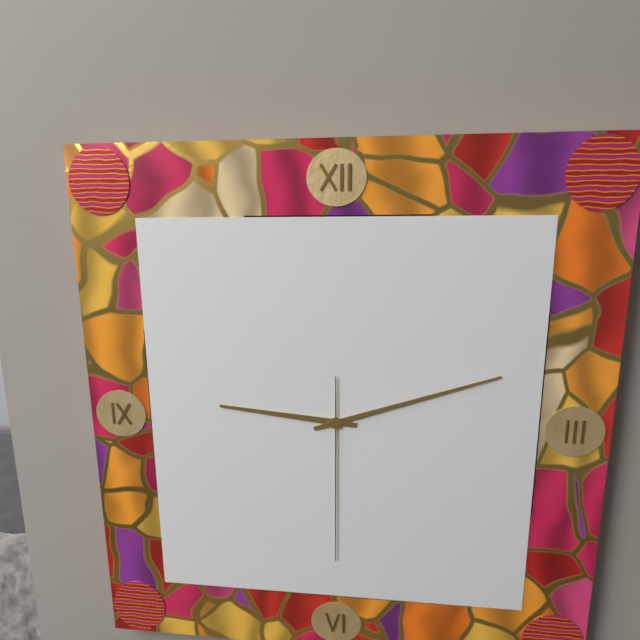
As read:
**9:12:30**
